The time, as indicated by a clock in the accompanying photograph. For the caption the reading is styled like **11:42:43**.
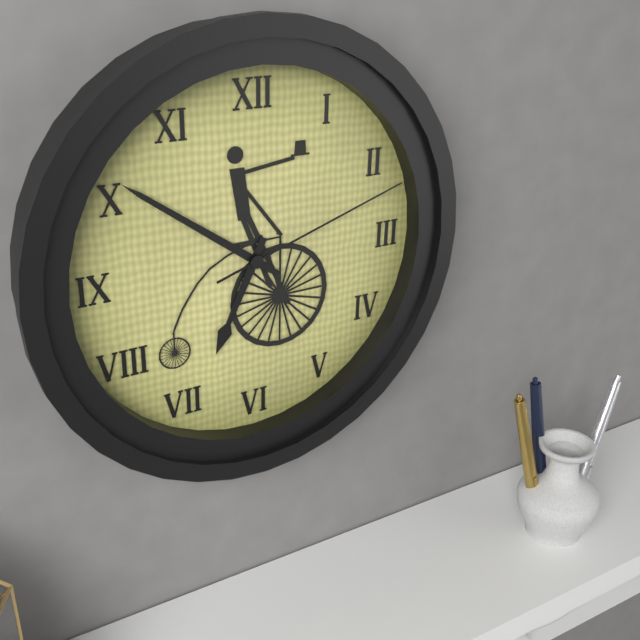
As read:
**6:51:12**
